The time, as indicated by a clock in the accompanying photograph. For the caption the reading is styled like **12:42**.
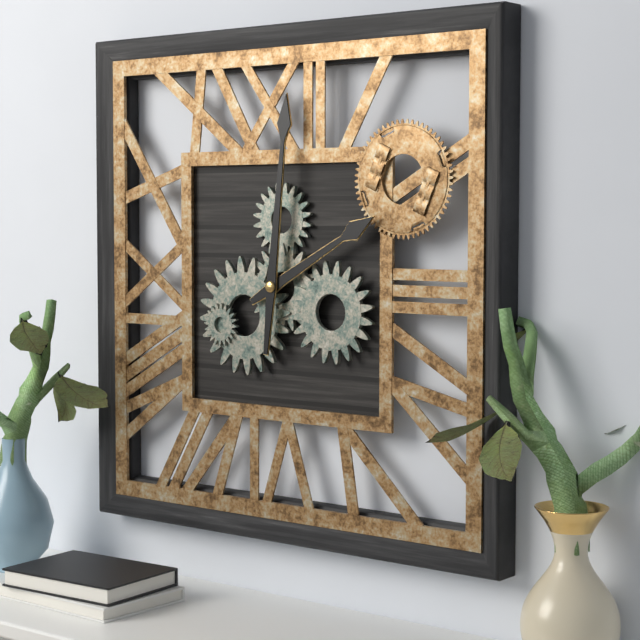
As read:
**2:01**
